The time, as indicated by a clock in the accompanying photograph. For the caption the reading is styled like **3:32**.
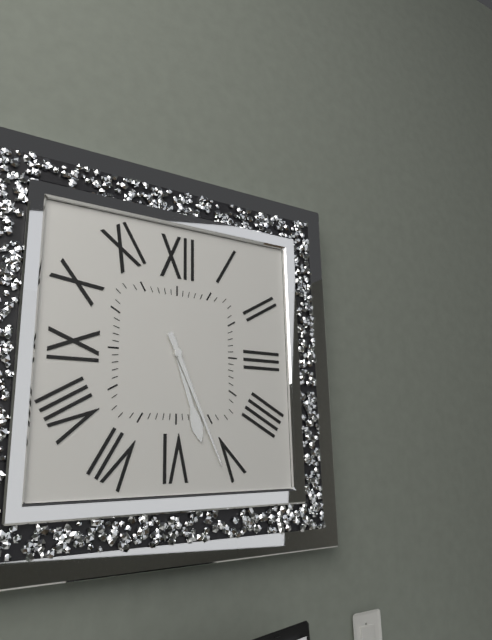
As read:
**5:26**
